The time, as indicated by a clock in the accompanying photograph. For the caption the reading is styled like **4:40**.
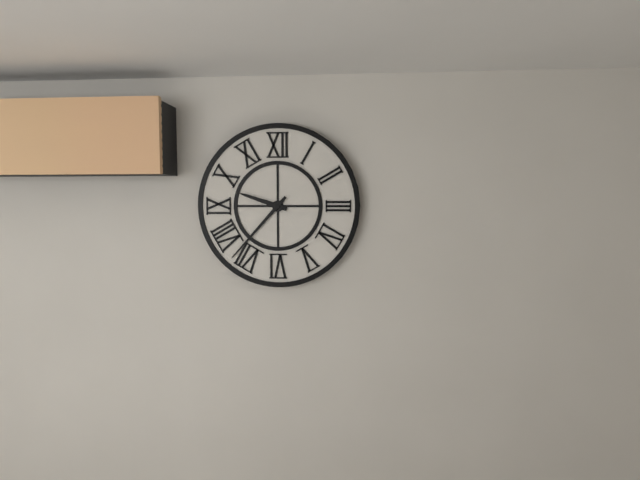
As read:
**9:37**
